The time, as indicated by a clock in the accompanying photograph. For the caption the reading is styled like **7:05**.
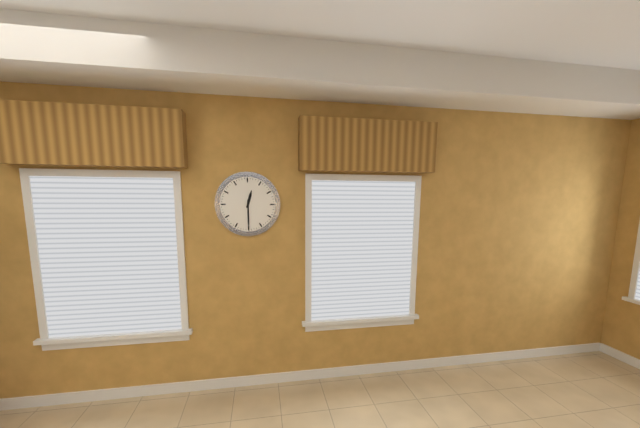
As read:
**12:30**
